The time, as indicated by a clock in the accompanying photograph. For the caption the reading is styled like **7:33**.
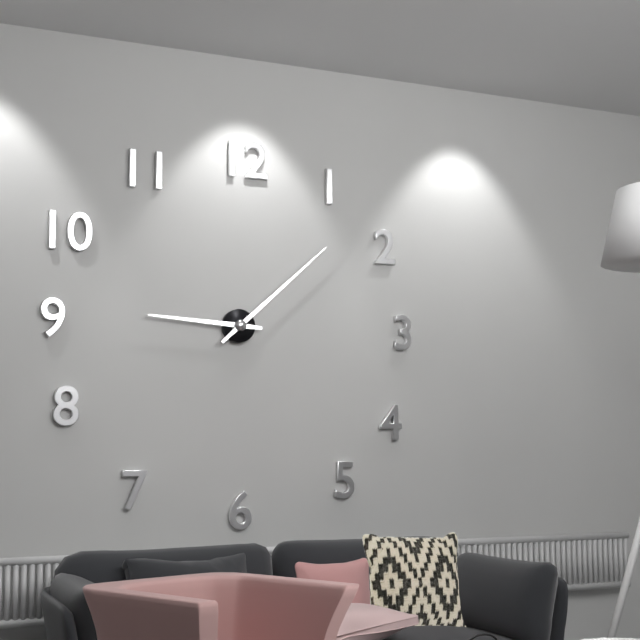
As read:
**9:08**
